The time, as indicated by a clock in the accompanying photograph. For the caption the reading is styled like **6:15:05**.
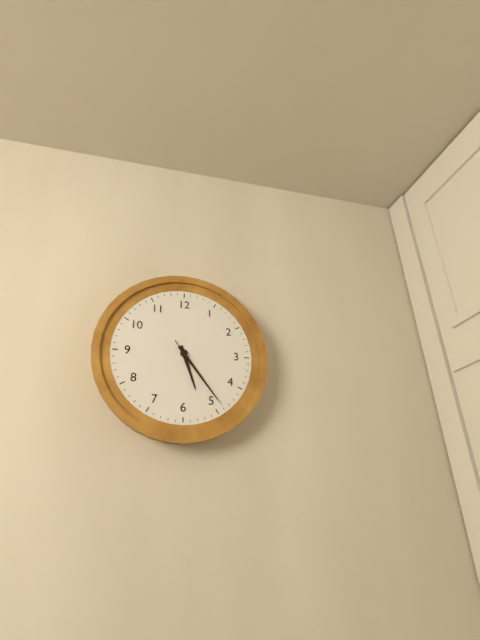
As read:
**5:24:24**
